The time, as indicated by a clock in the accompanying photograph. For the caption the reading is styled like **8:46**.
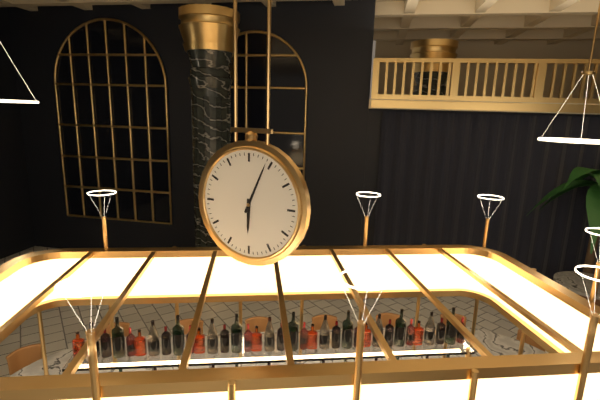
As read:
**6:04**
